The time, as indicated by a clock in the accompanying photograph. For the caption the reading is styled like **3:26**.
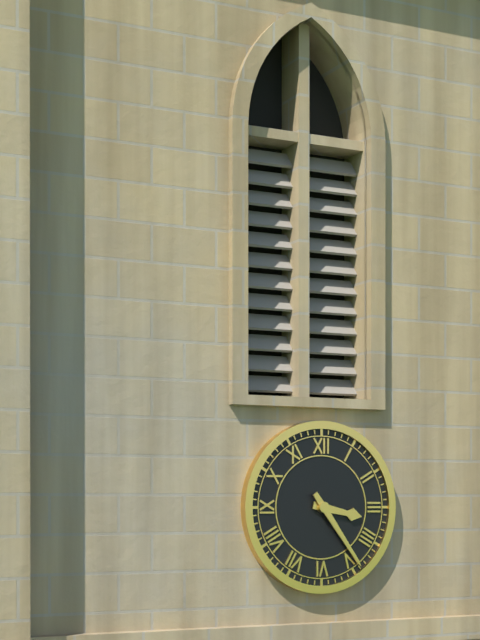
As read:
**3:24**
